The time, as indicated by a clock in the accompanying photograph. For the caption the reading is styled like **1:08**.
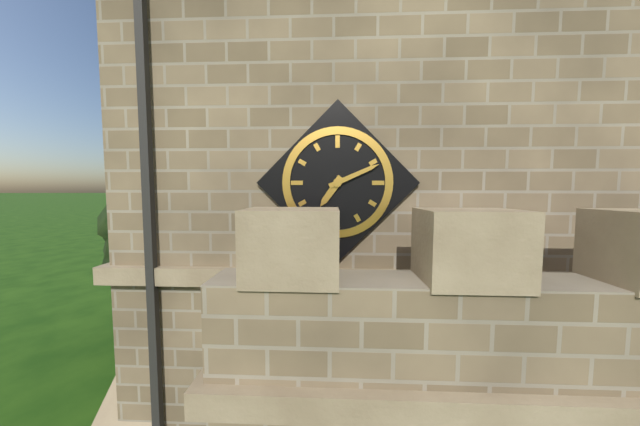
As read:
**7:11**
